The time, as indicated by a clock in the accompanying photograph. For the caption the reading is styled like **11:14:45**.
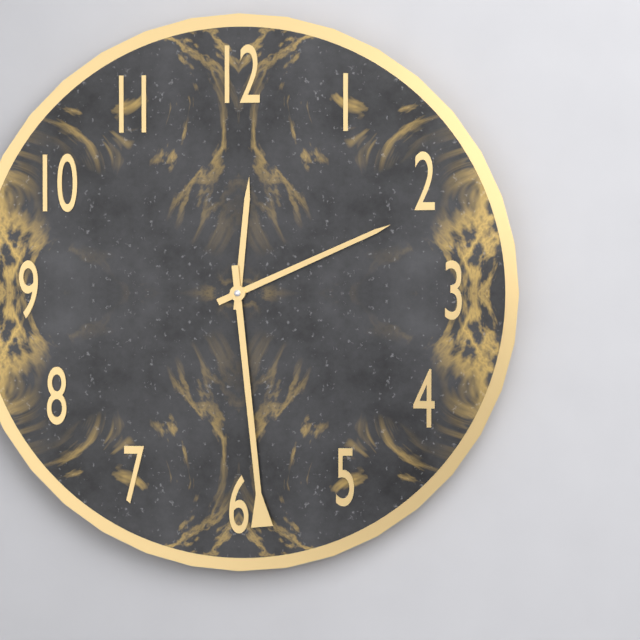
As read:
**12:11:29**
